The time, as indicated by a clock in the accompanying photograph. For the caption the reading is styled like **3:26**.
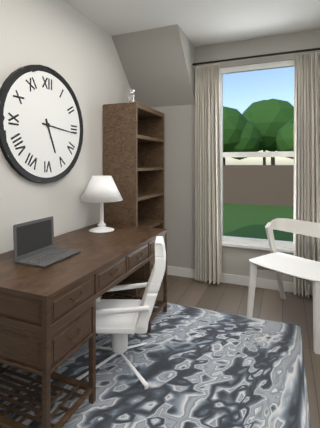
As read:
**5:16**
